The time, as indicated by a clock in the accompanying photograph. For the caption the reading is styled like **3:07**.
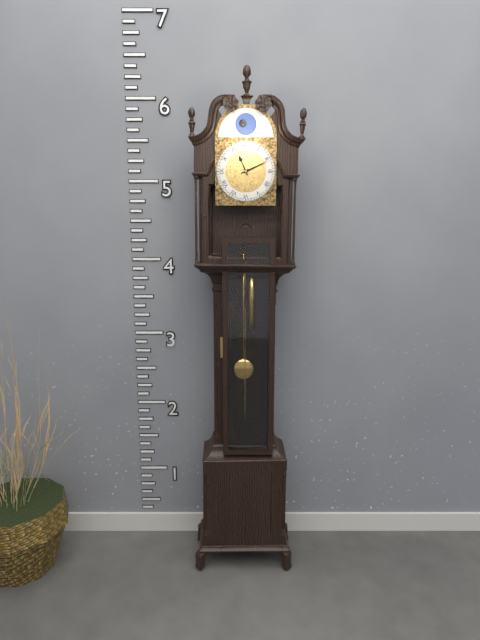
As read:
**11:11**
